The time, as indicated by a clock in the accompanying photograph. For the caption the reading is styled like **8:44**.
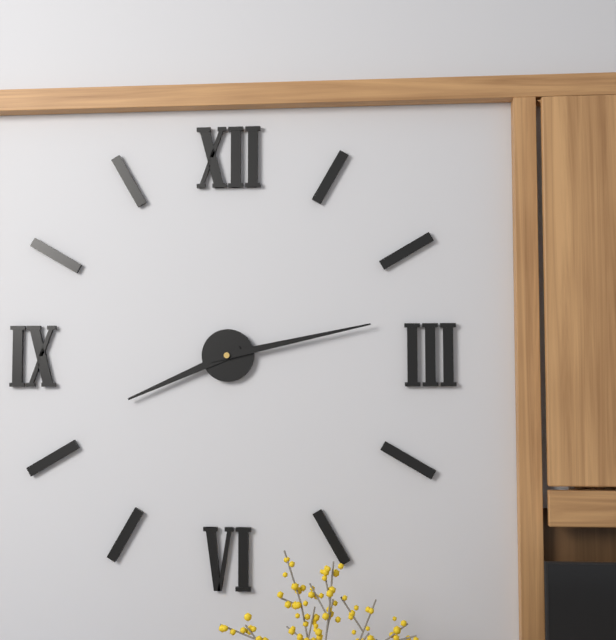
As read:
**8:13**
